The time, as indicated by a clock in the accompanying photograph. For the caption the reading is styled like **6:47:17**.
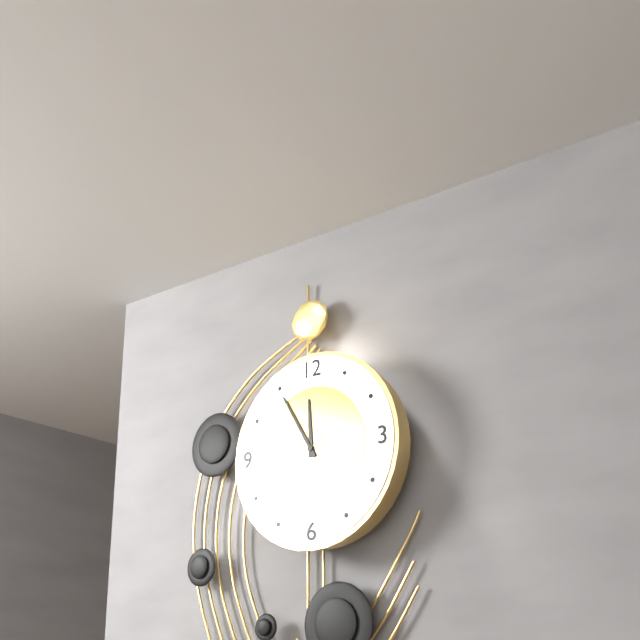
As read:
**11:55:39**
